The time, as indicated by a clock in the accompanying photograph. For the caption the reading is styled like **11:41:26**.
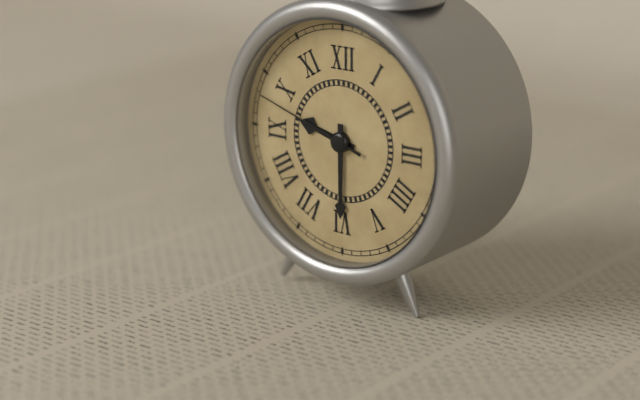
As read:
**9:30:48**
